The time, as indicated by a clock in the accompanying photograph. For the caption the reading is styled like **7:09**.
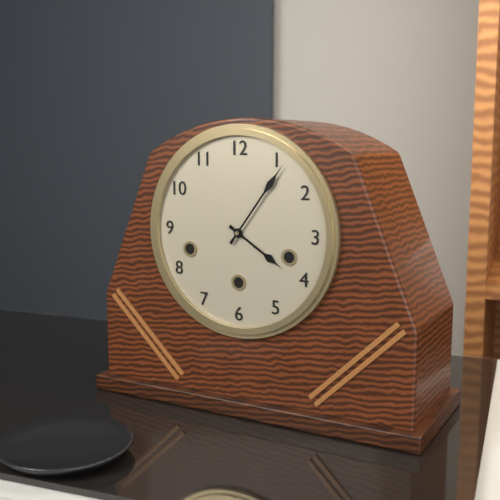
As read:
**4:06**
